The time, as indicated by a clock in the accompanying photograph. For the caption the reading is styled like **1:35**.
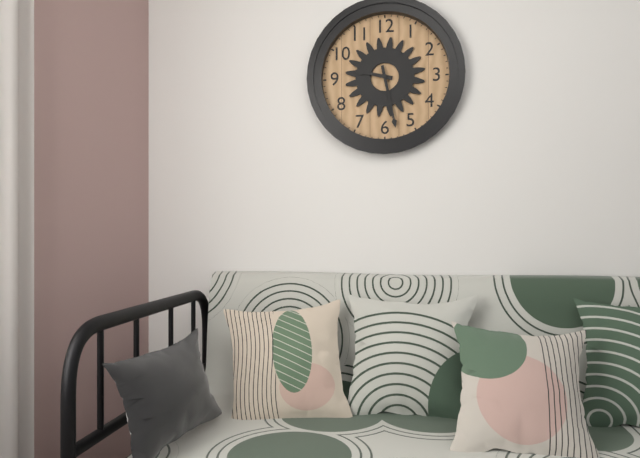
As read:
**9:28**
